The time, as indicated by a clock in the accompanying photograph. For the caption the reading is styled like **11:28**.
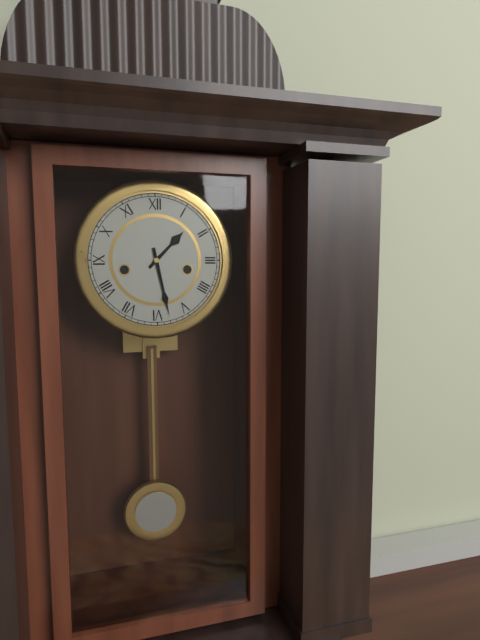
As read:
**1:28**
